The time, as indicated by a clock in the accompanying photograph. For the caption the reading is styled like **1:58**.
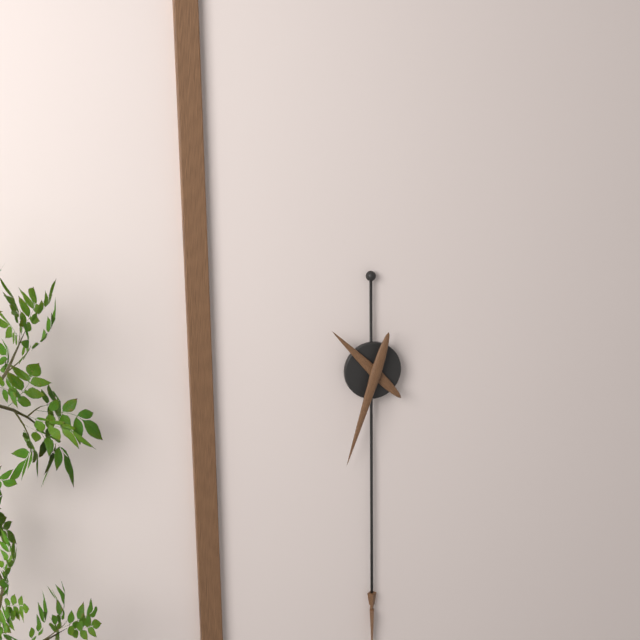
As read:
**10:33**
